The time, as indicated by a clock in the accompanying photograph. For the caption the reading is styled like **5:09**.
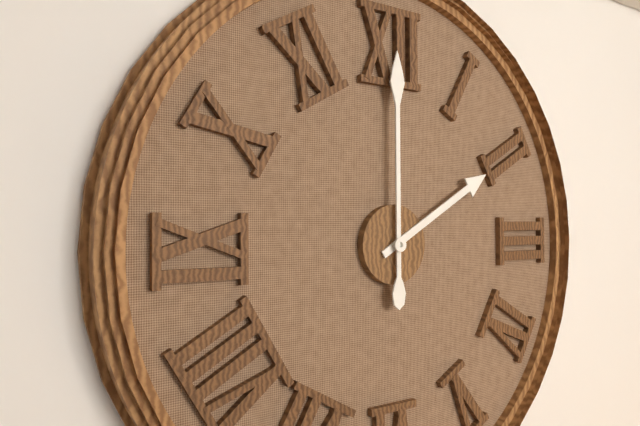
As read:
**2:00**
